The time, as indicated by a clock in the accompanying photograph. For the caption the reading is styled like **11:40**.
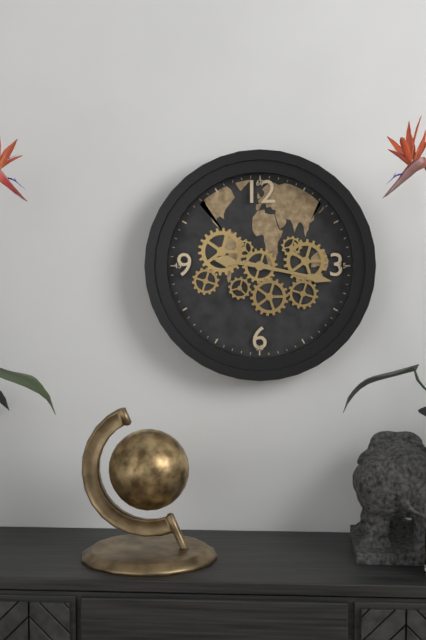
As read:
**9:17**
